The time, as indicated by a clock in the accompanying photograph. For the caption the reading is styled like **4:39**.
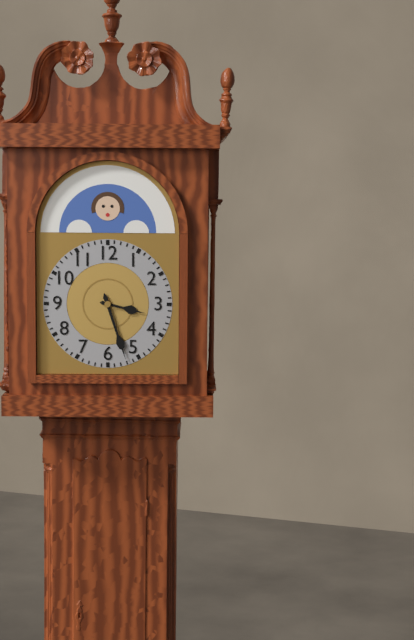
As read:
**3:27**
